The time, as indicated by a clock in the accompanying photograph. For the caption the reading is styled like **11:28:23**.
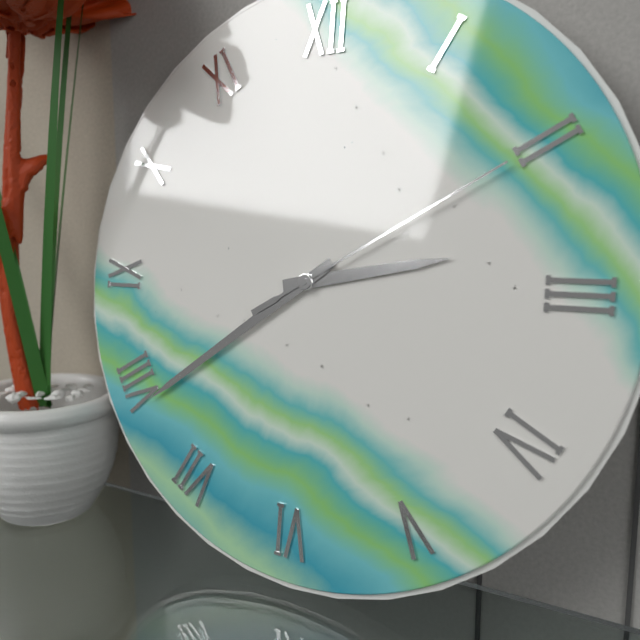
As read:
**2:39:10**
